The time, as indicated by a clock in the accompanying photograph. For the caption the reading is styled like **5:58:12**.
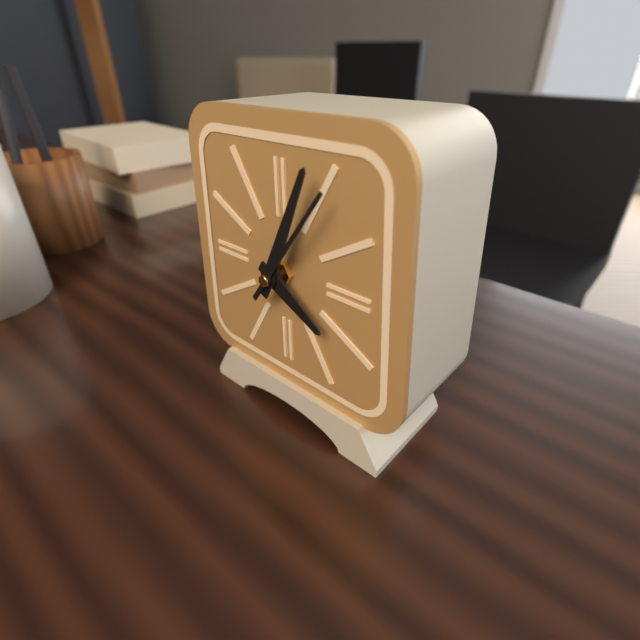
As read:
**4:04:06**
